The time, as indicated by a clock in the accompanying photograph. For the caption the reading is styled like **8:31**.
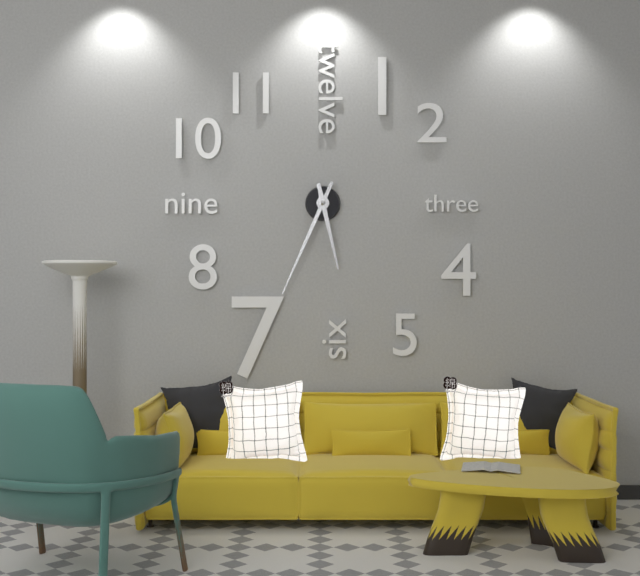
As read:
**5:34**
